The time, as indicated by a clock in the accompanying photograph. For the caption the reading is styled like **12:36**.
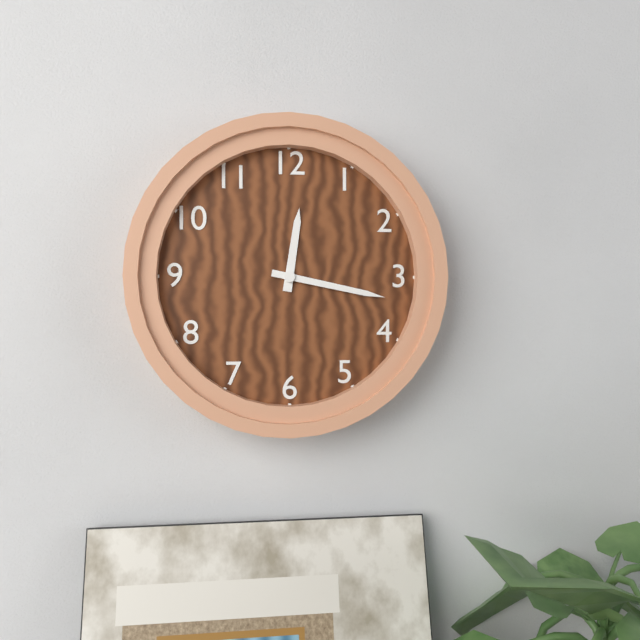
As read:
**12:17**
